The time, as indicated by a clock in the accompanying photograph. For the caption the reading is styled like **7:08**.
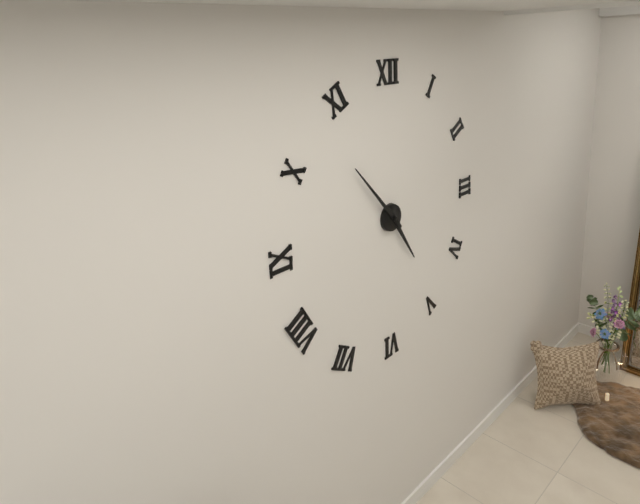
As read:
**4:53**
